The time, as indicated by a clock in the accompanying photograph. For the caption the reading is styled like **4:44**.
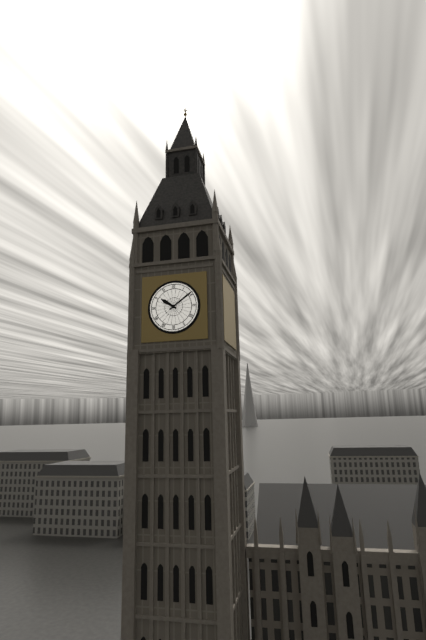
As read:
**10:09**
